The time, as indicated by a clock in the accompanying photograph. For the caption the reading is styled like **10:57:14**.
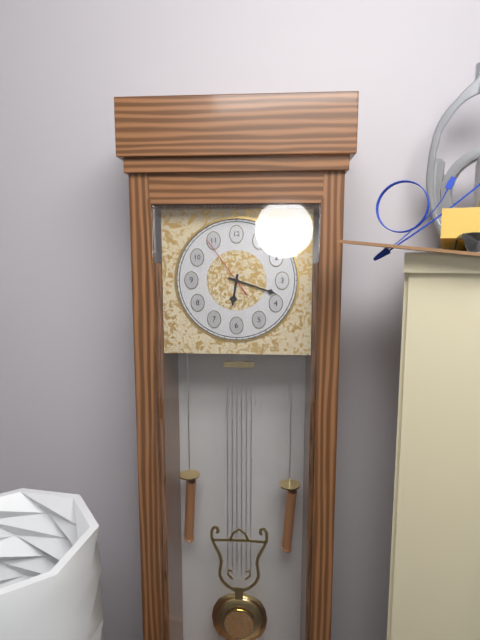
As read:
**6:18:54**
